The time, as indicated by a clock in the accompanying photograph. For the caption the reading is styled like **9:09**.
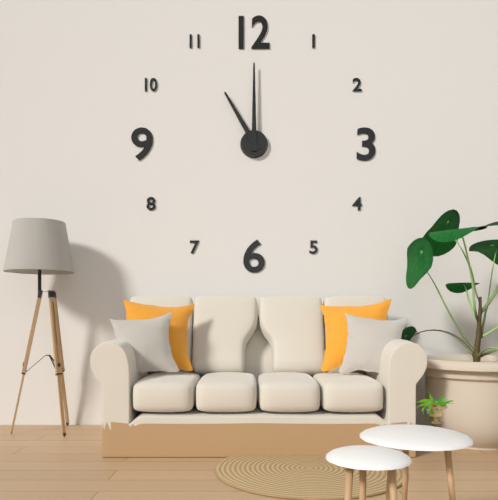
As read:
**11:00**
